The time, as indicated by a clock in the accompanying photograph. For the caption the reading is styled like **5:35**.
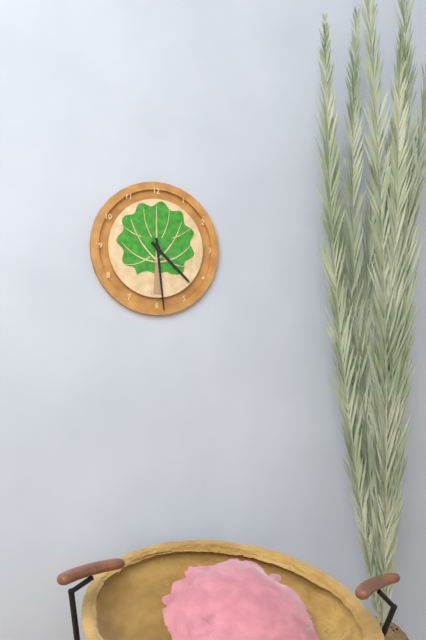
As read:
**4:29**
